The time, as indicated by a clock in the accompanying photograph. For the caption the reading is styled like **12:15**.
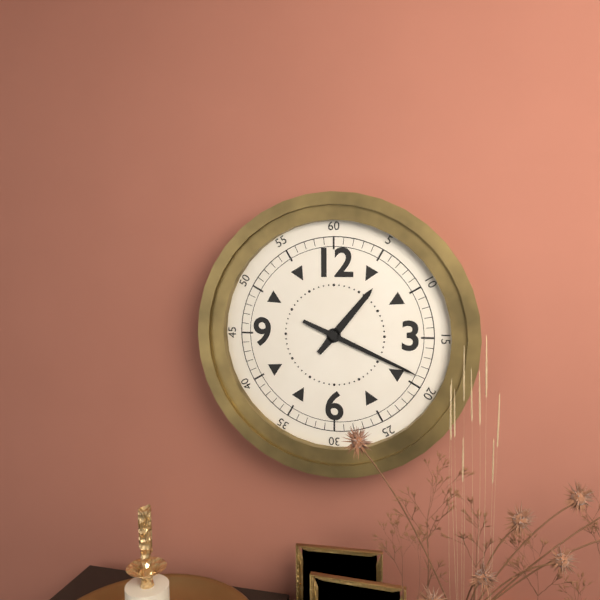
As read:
**1:19**
